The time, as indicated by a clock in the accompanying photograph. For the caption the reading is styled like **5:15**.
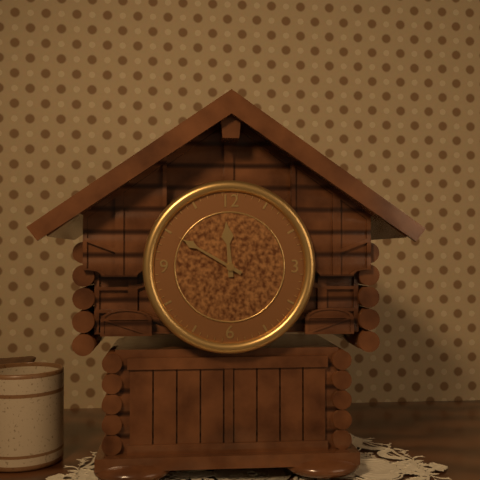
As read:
**11:50**
